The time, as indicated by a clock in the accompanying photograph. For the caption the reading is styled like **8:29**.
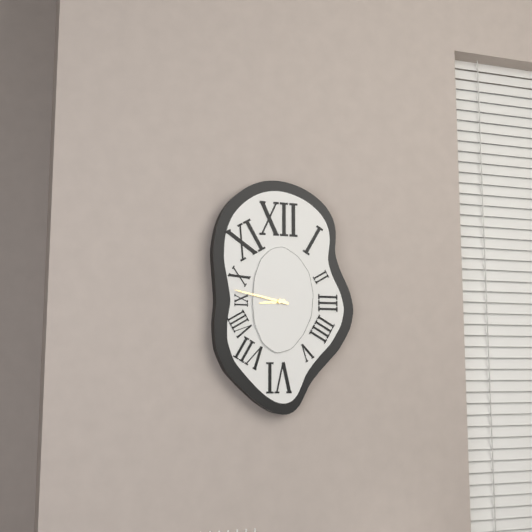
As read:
**8:47**
